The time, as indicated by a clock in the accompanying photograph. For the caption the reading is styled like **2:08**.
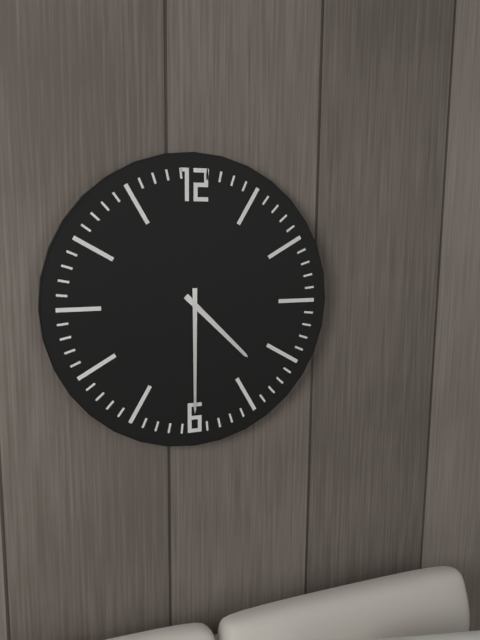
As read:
**4:30**
